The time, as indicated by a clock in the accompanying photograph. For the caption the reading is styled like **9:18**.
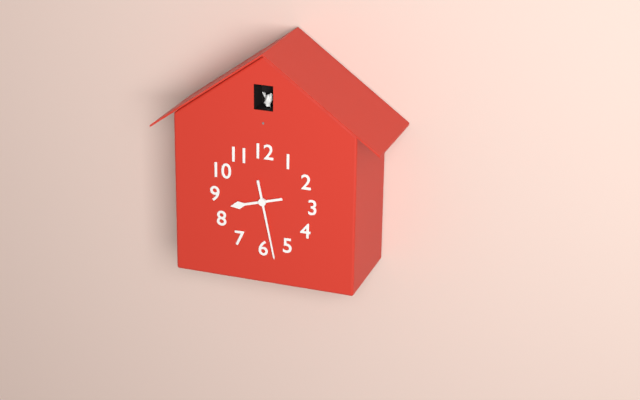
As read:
**8:28**
